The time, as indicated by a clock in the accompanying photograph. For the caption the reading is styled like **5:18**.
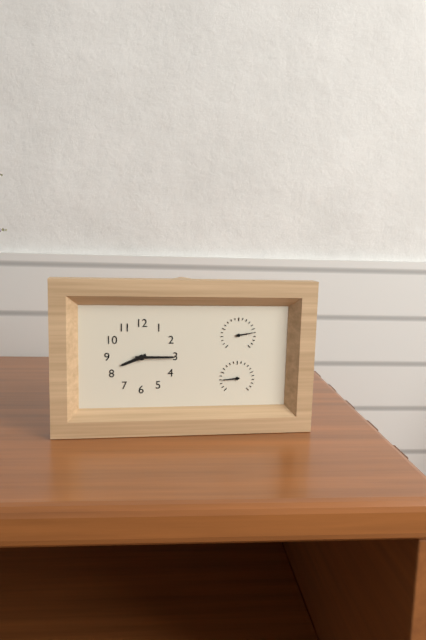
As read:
**8:15**
